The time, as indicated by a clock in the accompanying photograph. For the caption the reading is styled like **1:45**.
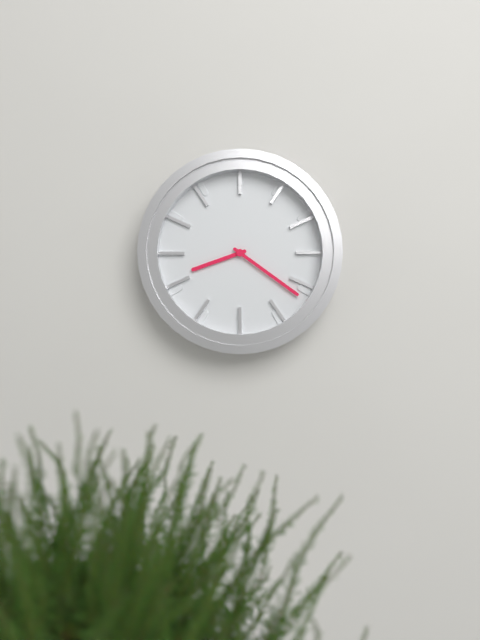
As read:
**8:21**
